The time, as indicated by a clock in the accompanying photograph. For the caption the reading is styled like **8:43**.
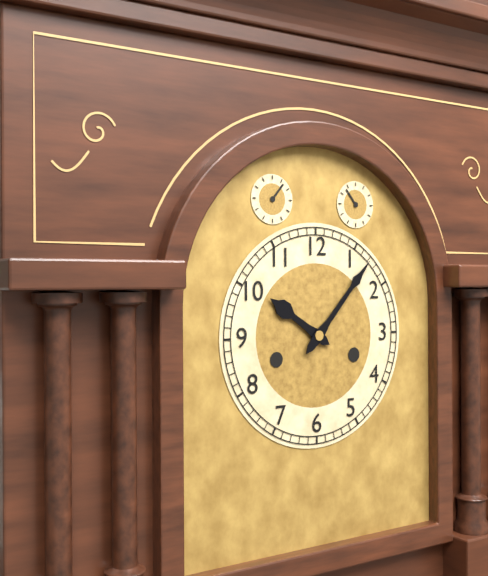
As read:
**10:07**
